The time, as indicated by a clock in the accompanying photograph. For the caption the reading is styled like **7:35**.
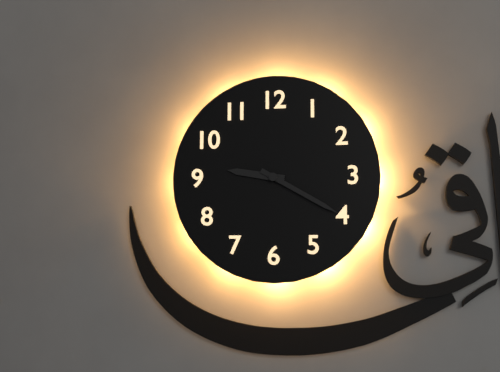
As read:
**9:20**
